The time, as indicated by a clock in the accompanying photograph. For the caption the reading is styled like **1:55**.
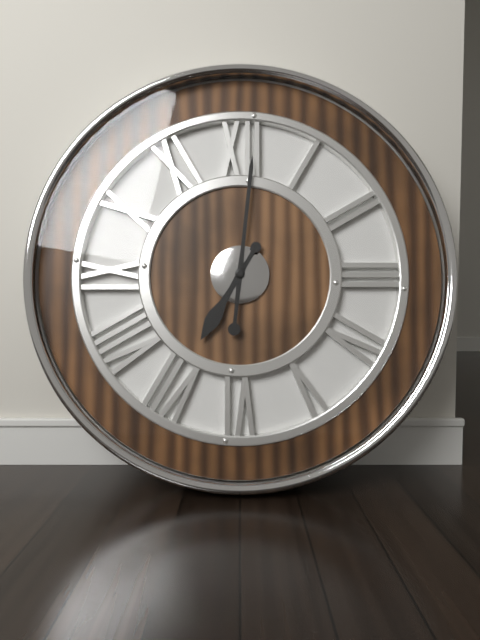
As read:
**7:01**
